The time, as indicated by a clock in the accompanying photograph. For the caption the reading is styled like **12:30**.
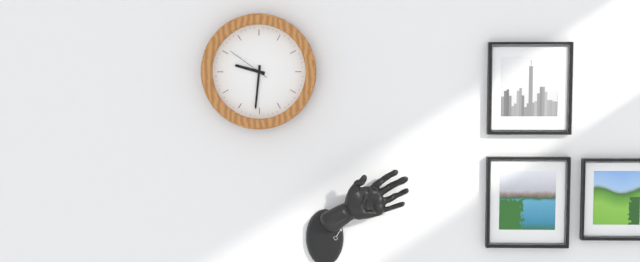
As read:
**9:31**
